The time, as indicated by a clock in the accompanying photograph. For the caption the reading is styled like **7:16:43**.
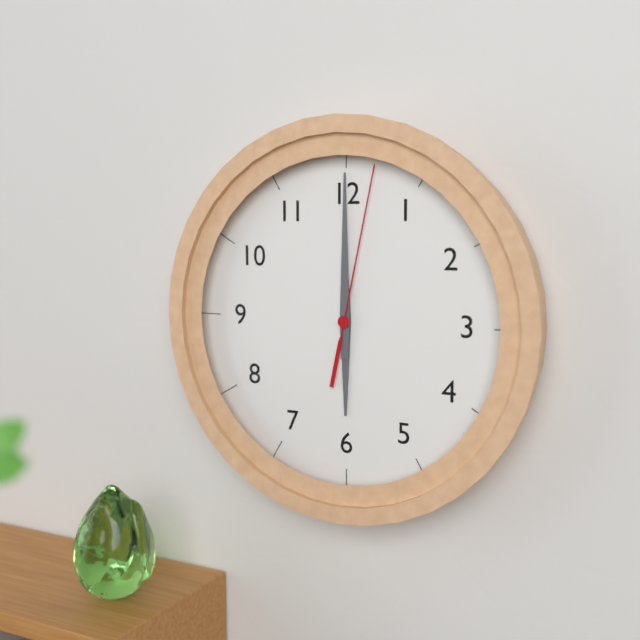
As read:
**6:00:02**
